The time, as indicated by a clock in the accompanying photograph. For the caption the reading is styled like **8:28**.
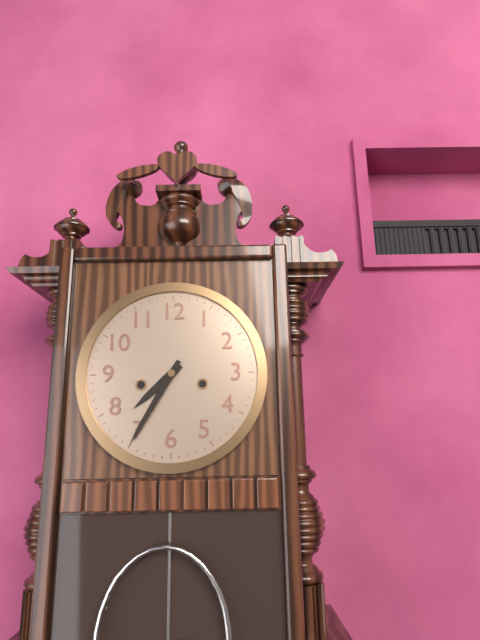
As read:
**7:35**
